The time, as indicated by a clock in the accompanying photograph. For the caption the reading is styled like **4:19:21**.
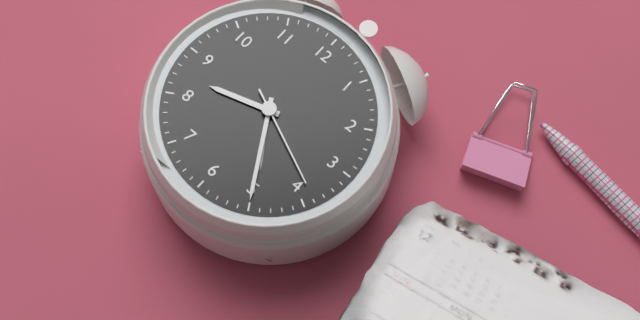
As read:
**8:25:19**
